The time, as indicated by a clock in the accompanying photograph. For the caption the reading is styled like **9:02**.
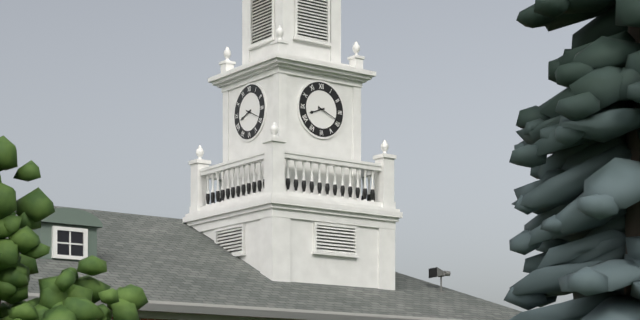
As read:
**8:19**
